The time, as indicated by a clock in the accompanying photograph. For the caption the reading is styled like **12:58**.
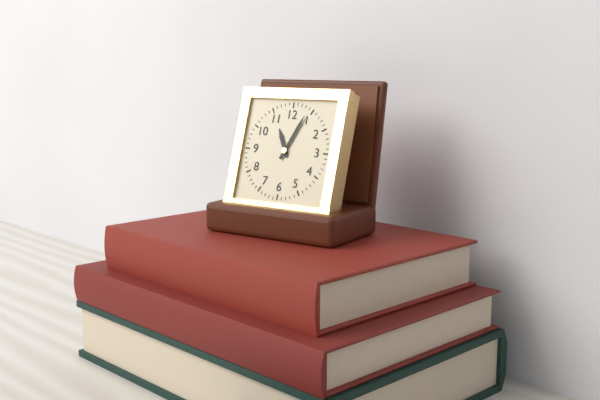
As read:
**11:04**
